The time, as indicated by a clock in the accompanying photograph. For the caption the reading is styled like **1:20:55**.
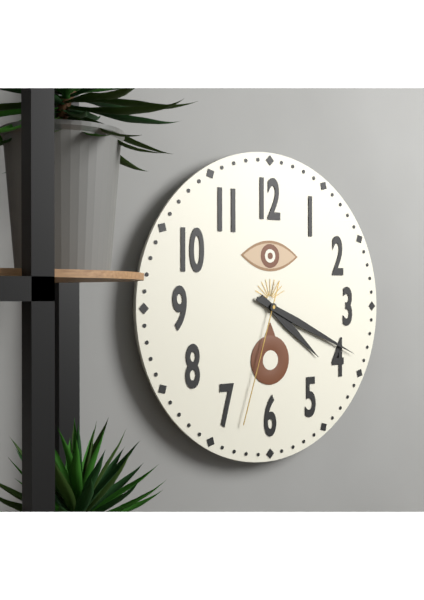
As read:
**4:19:33**
